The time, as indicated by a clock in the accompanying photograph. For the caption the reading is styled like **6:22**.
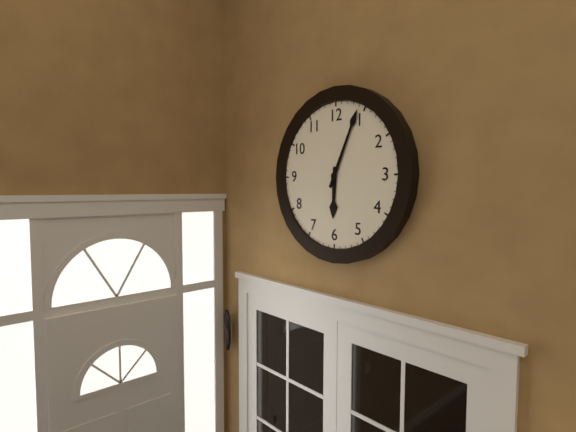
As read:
**6:04**
